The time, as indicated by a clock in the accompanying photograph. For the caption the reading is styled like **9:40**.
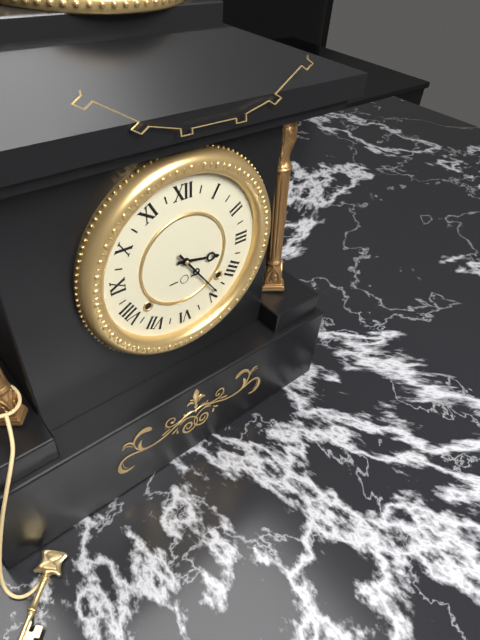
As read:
**3:24**
